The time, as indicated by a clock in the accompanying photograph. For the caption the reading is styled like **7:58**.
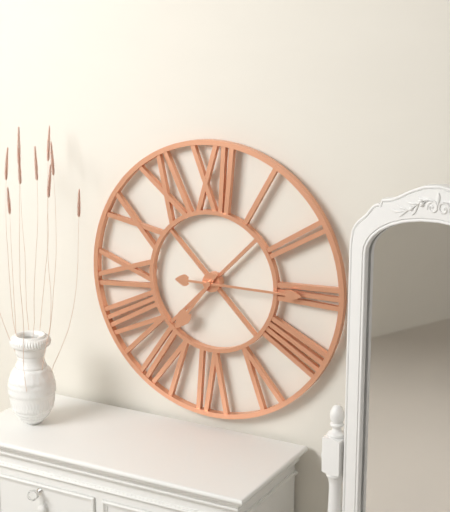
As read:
**7:15**
